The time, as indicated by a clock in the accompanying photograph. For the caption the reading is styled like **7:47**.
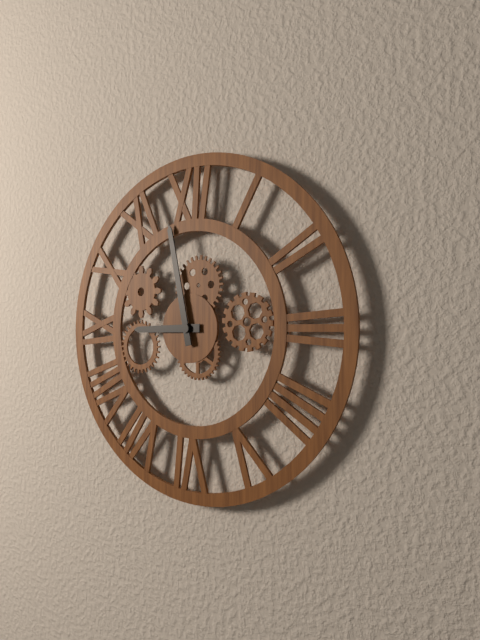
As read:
**8:58**
